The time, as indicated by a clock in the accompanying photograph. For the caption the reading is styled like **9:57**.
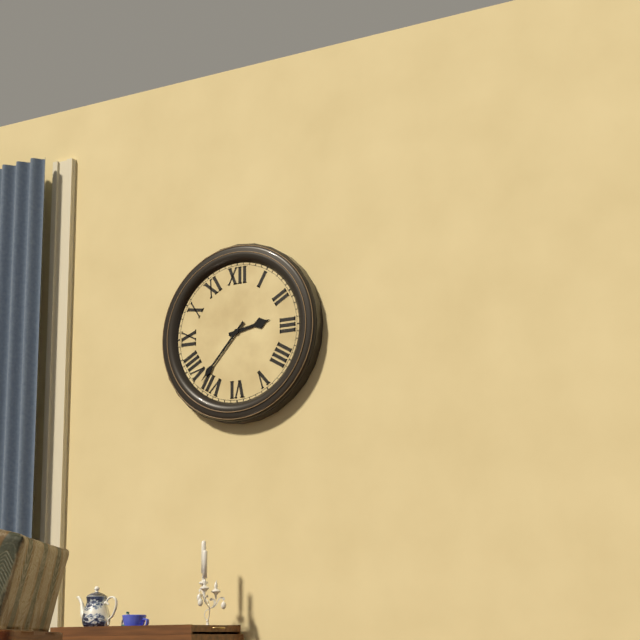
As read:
**2:37**
